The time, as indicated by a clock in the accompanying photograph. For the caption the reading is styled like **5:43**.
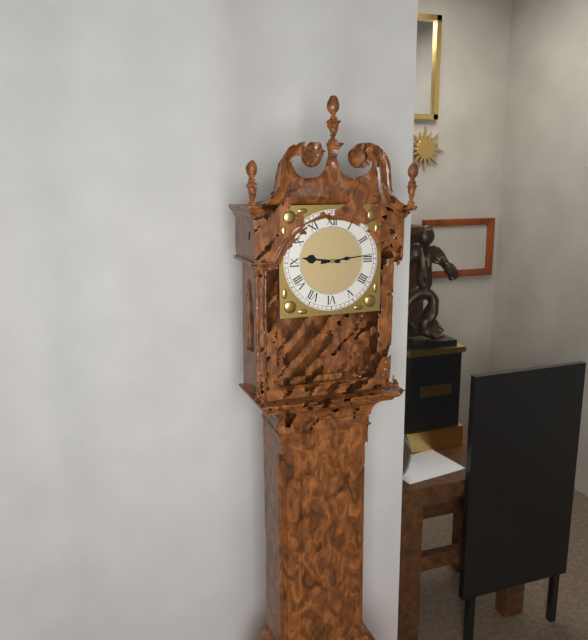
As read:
**9:14**
